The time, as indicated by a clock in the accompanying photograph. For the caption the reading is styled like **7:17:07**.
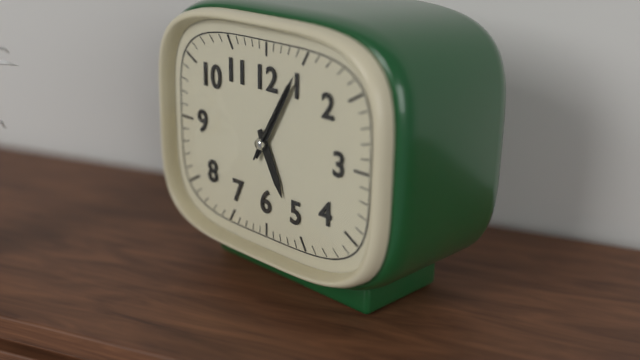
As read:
**5:05:05**
